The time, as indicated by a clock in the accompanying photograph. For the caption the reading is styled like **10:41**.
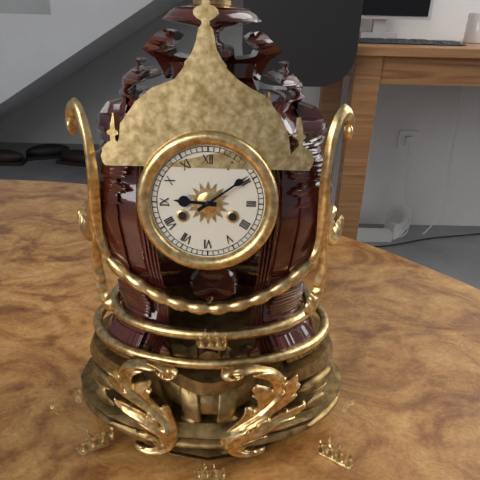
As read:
**9:09**
